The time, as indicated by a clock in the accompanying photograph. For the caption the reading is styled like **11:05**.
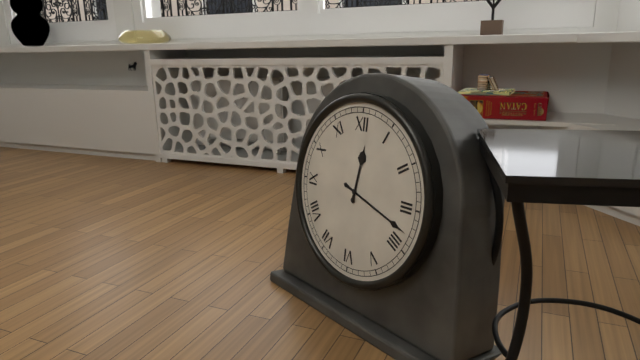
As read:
**12:18**
